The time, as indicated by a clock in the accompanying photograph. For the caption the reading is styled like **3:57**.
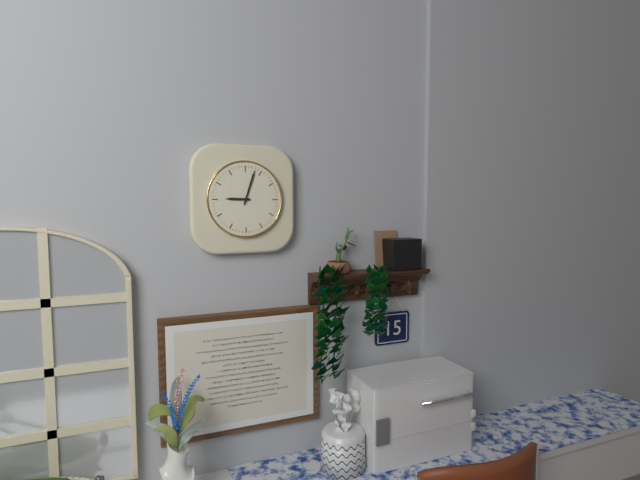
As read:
**9:03**
